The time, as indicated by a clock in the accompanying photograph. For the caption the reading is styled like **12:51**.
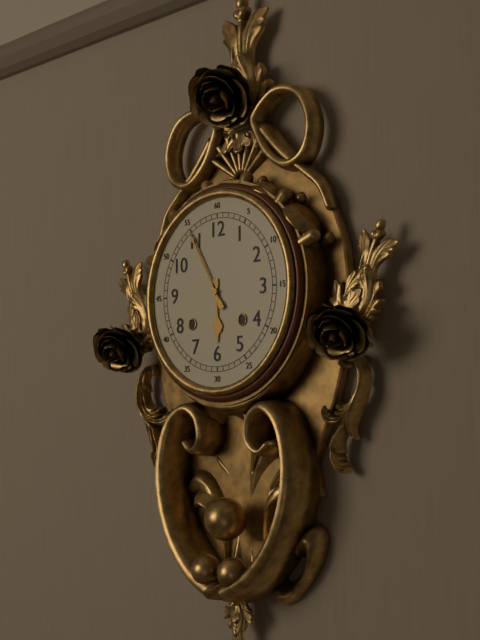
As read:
**5:55**
